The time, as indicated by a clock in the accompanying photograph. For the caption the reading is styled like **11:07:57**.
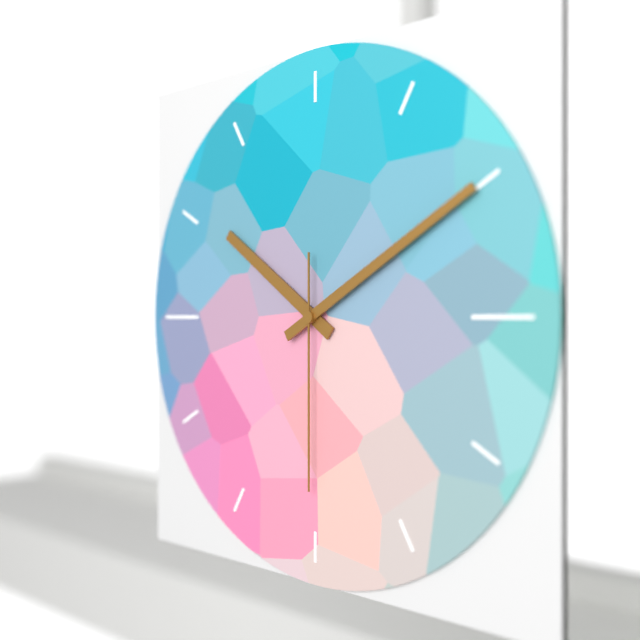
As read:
**10:10:30**
